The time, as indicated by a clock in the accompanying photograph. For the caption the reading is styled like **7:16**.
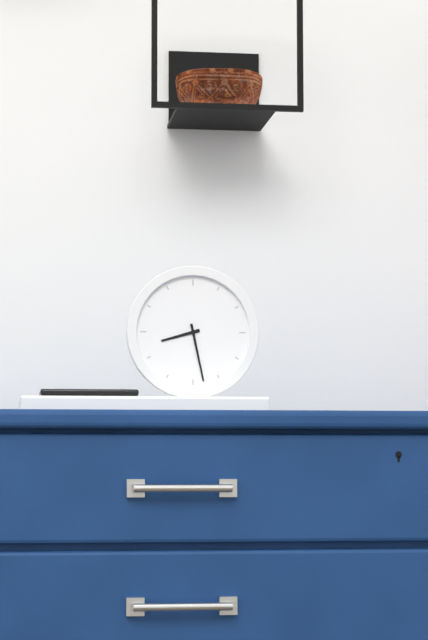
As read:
**8:28**
